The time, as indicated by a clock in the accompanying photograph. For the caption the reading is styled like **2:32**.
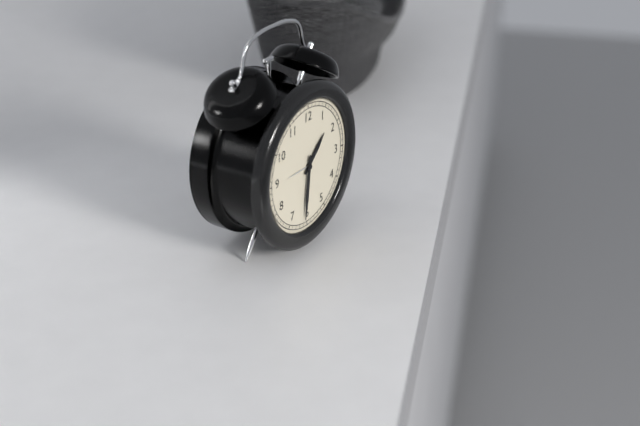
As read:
**1:31**
